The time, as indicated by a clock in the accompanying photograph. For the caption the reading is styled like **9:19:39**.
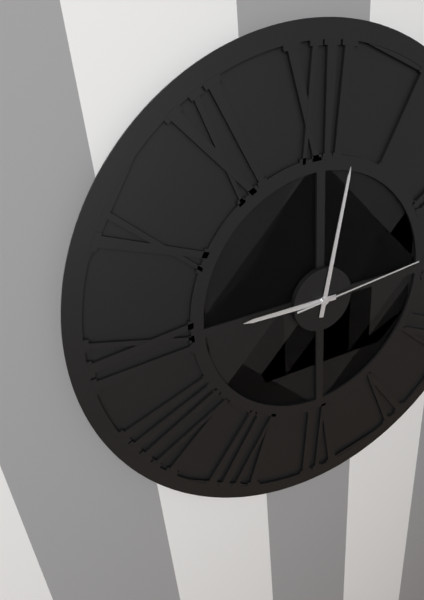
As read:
**9:02:14**
